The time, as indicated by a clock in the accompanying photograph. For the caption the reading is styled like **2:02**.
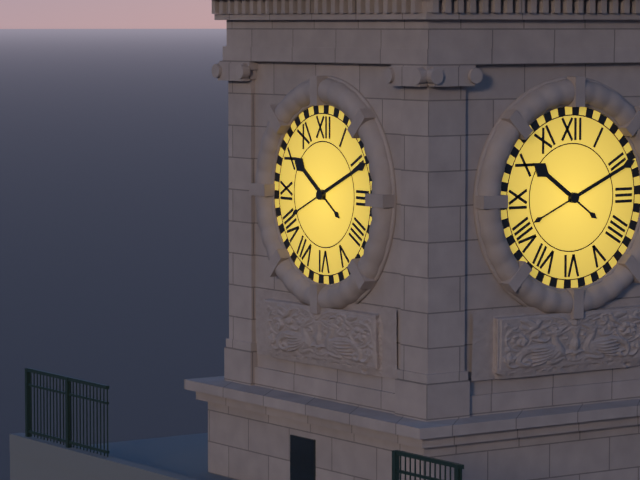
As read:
**10:11**
